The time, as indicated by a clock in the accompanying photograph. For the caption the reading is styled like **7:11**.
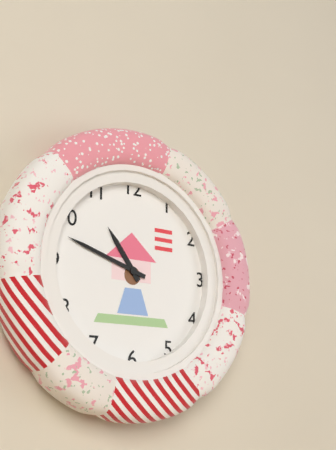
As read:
**10:48**
